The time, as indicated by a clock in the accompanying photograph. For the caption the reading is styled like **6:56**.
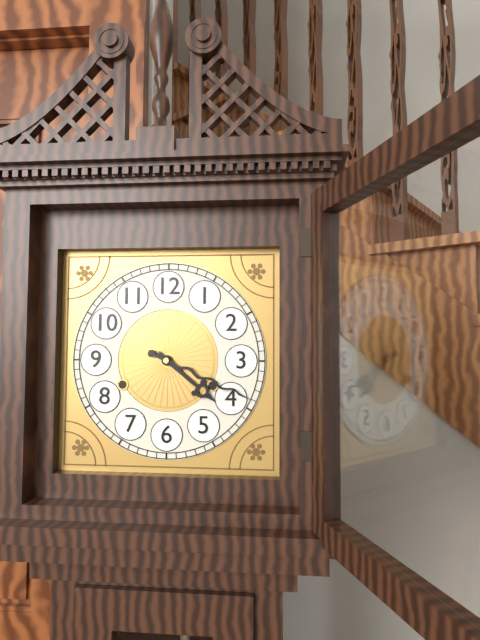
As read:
**4:19**
